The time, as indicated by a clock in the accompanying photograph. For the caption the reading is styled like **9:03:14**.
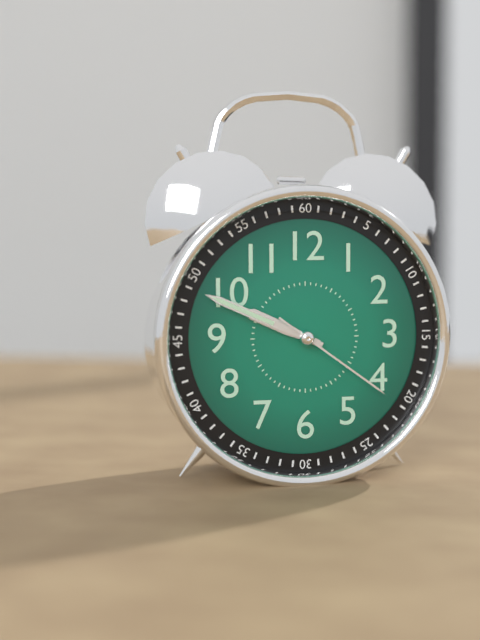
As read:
**9:49:21**
